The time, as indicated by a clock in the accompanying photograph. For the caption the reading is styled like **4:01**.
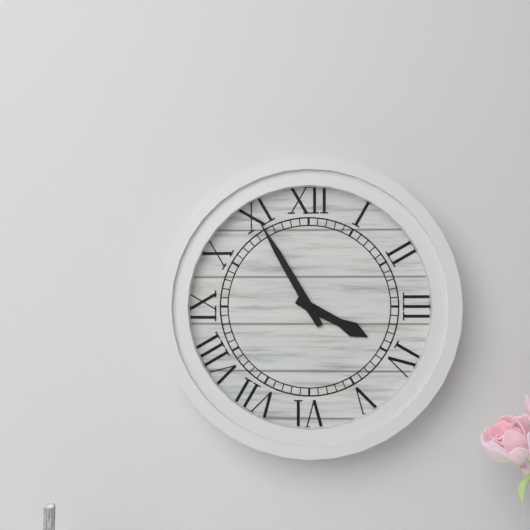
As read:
**3:55**
